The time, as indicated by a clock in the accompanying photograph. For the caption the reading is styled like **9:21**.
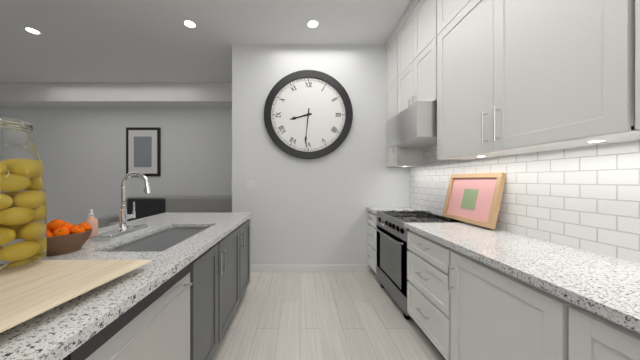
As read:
**8:31**
